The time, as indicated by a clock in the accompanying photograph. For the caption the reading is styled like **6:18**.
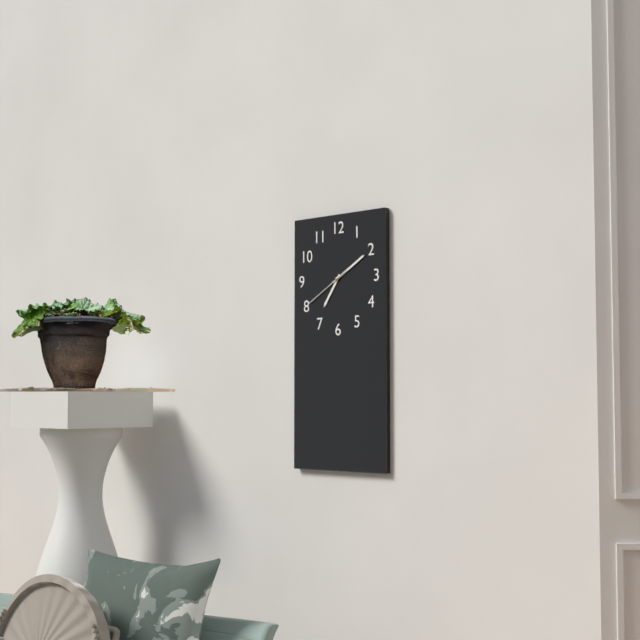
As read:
**7:10**
